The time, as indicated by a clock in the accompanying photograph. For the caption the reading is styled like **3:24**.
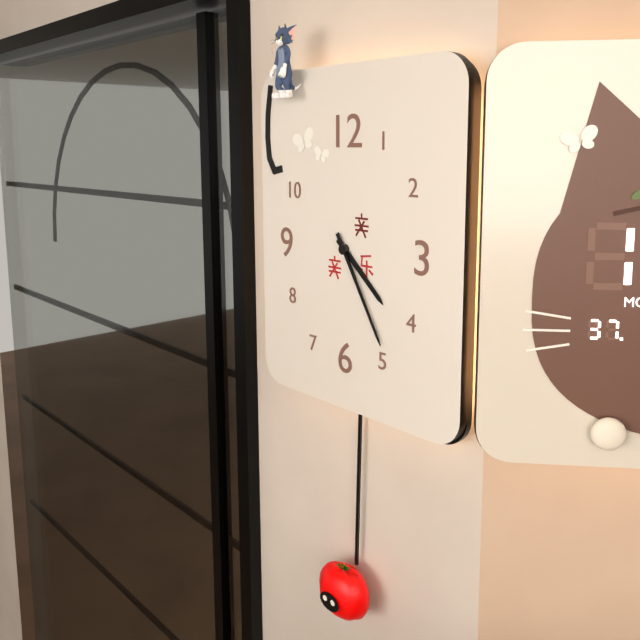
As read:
**4:25**
